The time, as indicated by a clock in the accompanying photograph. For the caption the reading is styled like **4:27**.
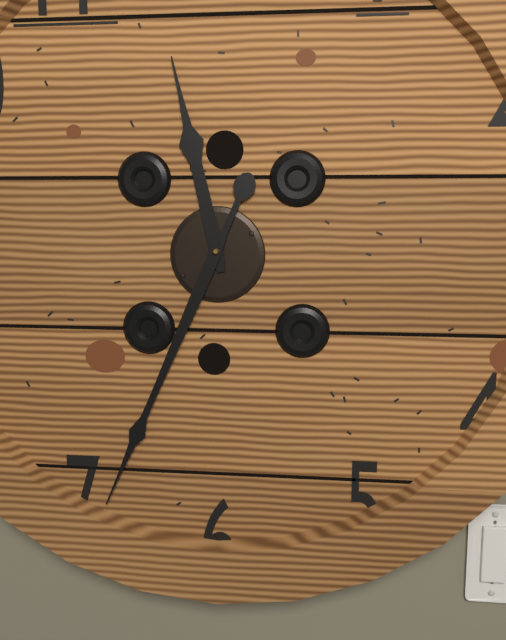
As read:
**11:34**
